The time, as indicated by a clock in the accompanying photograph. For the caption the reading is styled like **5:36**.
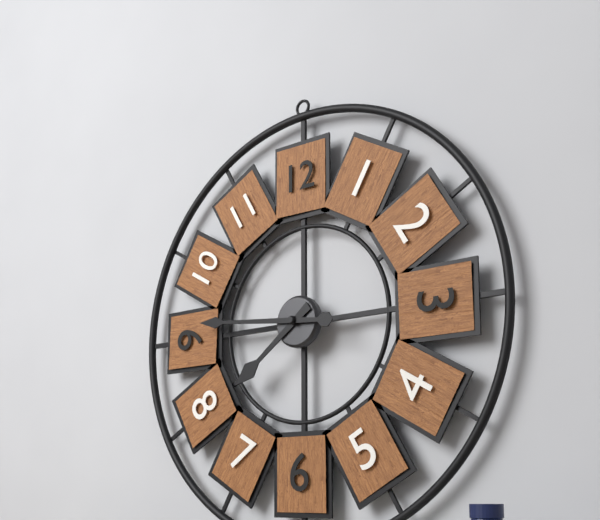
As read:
**7:46**
